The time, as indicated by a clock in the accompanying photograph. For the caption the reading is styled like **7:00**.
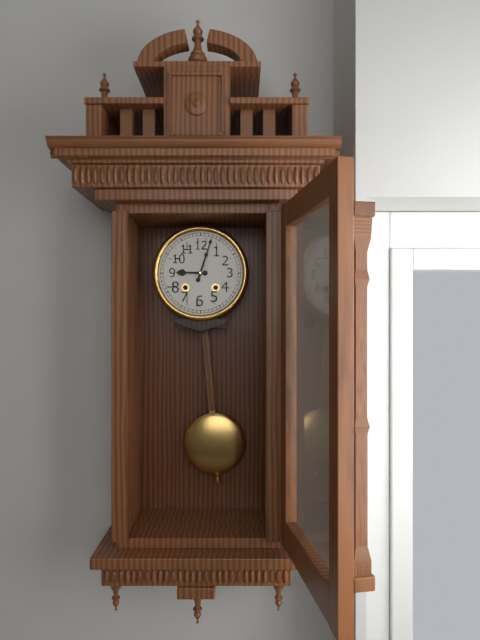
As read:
**9:03**
